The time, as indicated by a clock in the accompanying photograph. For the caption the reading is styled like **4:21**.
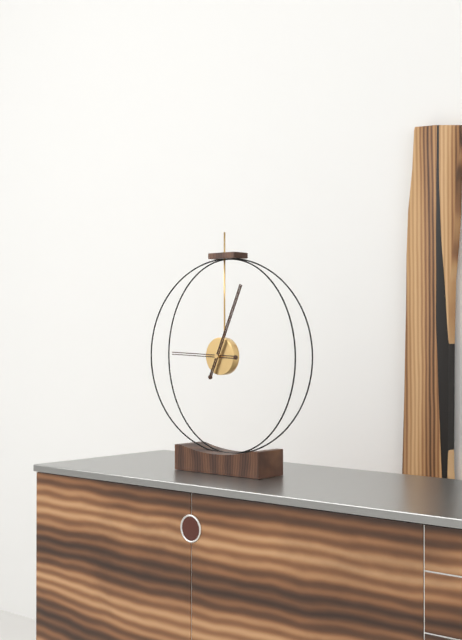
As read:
**9:04**
